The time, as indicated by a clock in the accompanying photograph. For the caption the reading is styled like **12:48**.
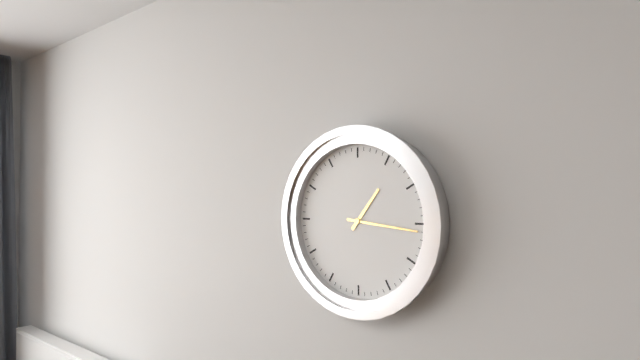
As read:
**1:16**
